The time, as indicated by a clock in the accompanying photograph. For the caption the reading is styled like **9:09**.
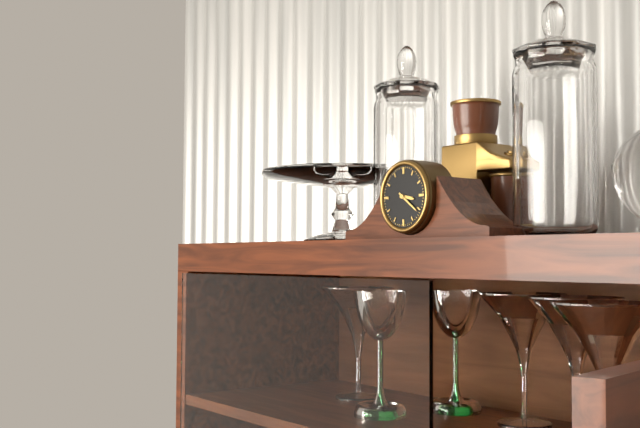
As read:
**3:21**
